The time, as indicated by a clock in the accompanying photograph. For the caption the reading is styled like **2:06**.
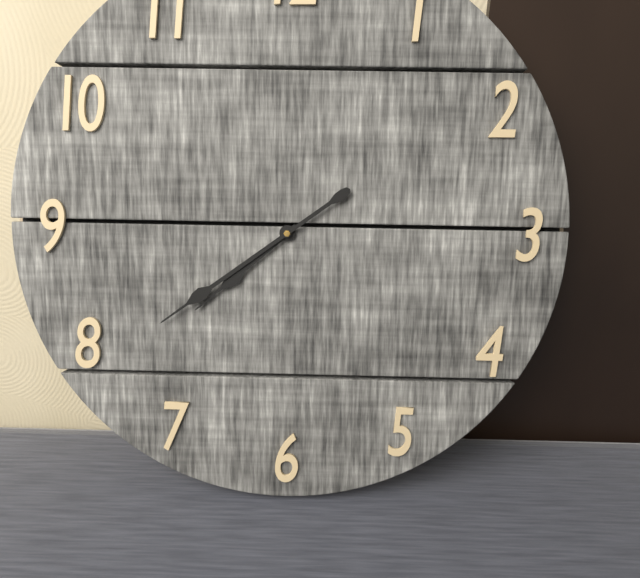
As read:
**7:39**
